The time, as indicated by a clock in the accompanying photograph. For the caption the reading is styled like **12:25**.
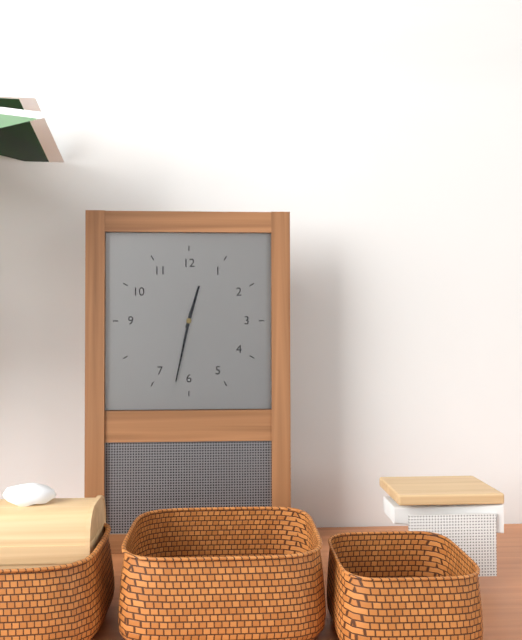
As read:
**12:32**
